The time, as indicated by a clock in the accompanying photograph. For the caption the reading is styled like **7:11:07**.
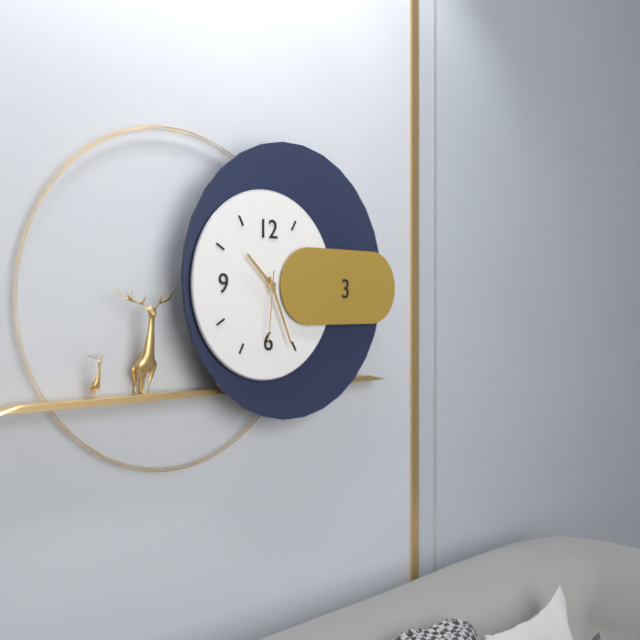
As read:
**10:26:31**
